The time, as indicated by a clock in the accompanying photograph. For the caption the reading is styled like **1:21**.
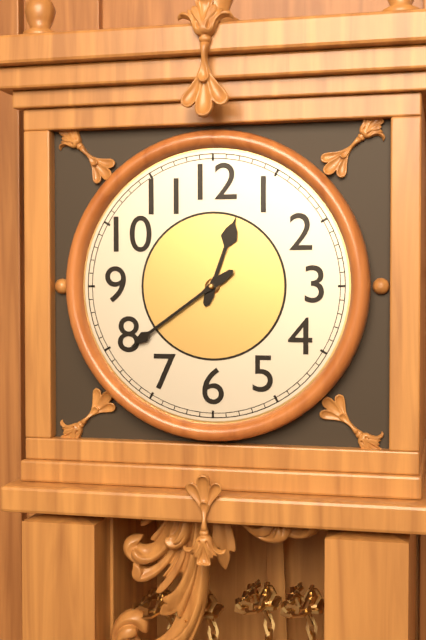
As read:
**12:39**
